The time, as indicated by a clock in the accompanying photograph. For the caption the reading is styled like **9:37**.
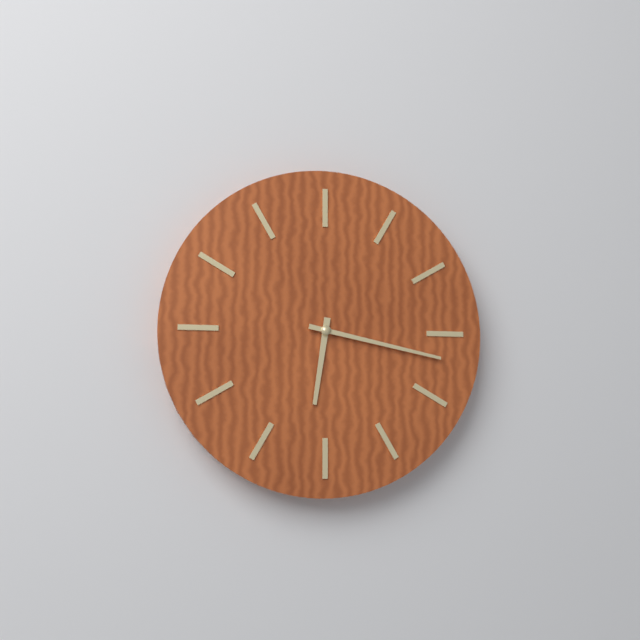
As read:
**6:17**
